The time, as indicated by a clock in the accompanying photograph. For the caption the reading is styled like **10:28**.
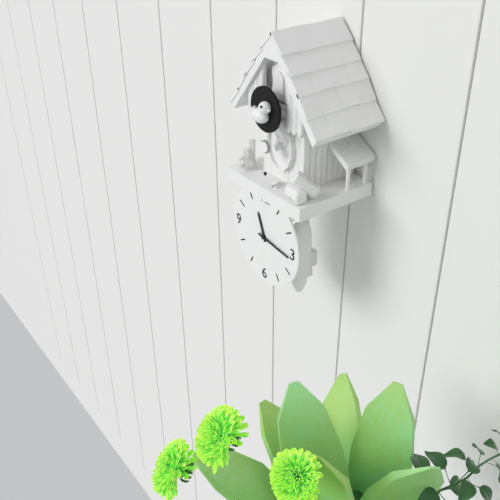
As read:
**11:16**
